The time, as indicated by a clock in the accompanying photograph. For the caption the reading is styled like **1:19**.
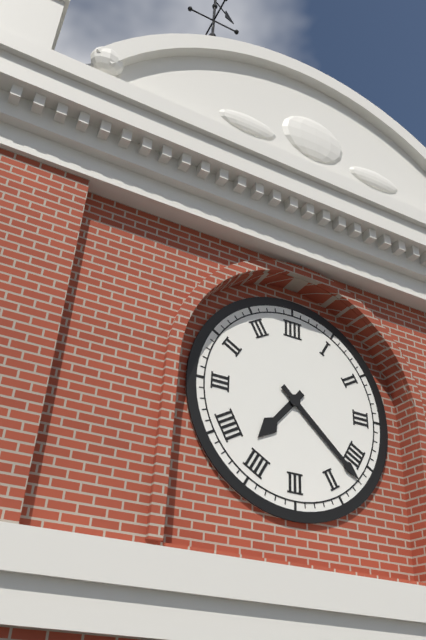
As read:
**7:22**
